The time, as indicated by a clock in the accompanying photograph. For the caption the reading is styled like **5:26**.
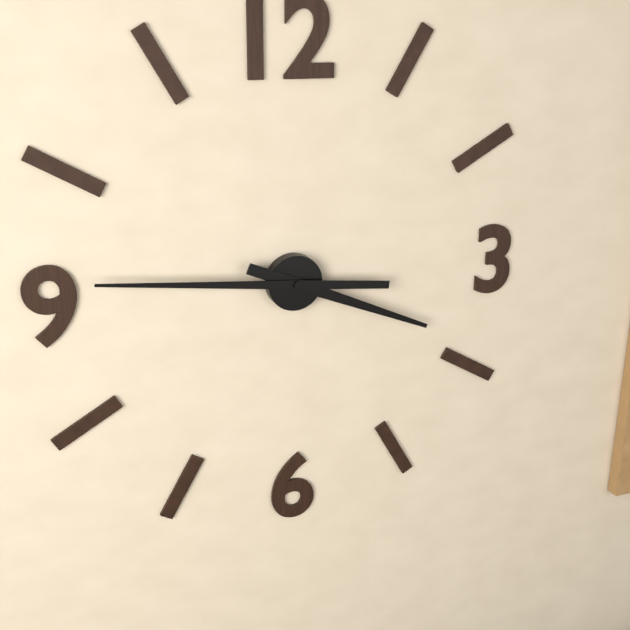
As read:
**3:46**
